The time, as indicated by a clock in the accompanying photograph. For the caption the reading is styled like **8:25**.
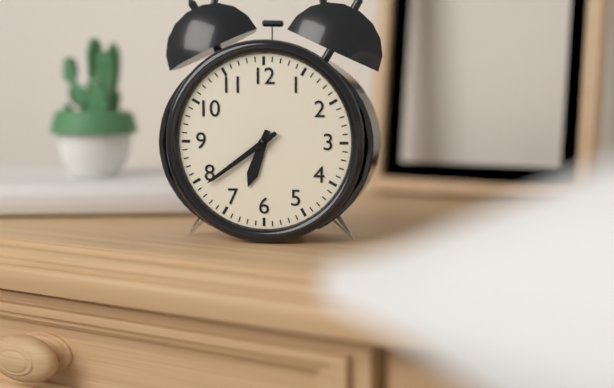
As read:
**6:39**
